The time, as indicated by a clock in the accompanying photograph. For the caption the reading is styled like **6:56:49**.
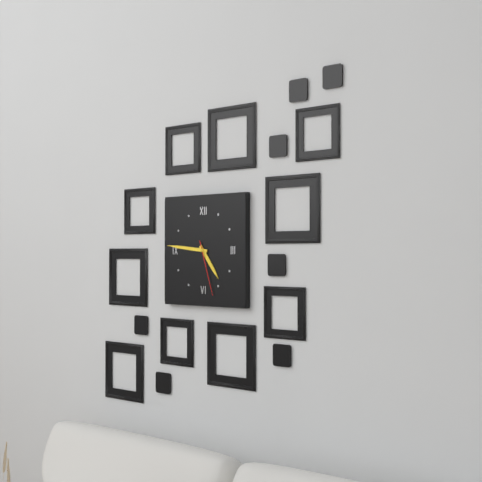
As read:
**4:46:27**
